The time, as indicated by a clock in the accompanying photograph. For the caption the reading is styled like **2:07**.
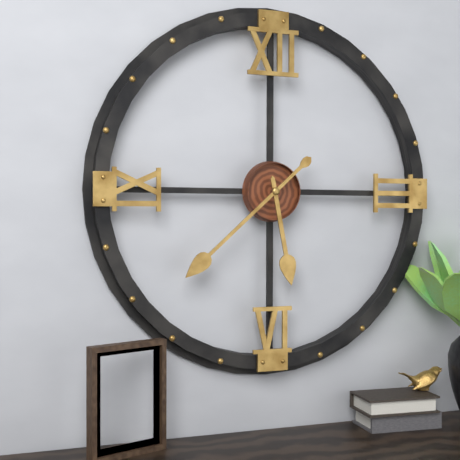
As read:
**5:38**
